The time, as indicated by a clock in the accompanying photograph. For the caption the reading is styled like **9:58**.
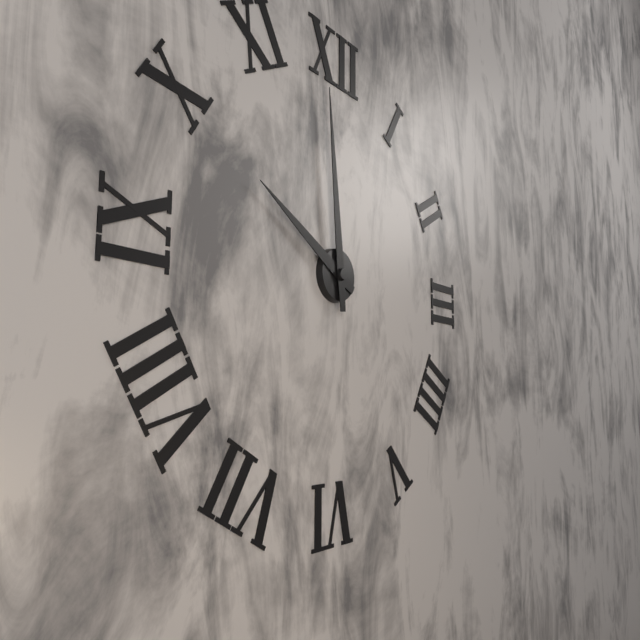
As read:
**9:59**
